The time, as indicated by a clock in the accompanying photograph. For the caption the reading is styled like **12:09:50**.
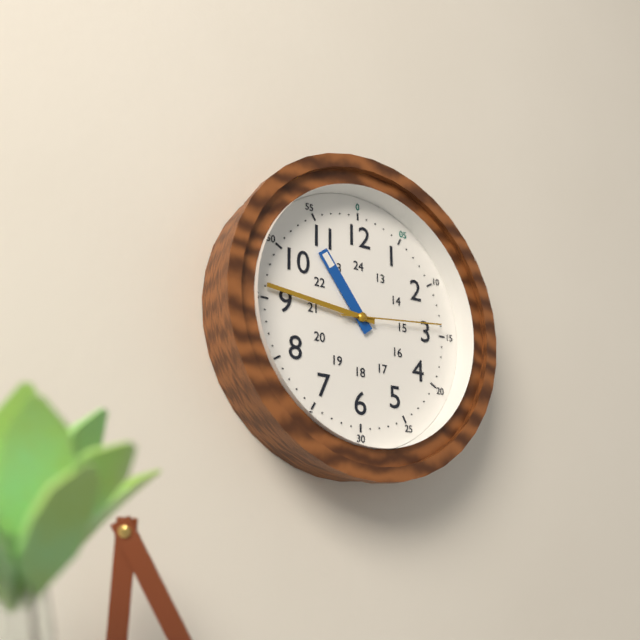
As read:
**10:46:14**
